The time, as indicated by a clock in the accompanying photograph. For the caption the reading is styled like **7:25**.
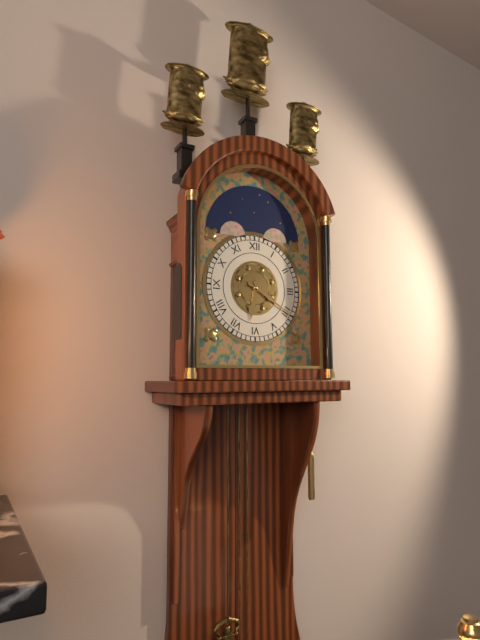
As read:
**6:20**
